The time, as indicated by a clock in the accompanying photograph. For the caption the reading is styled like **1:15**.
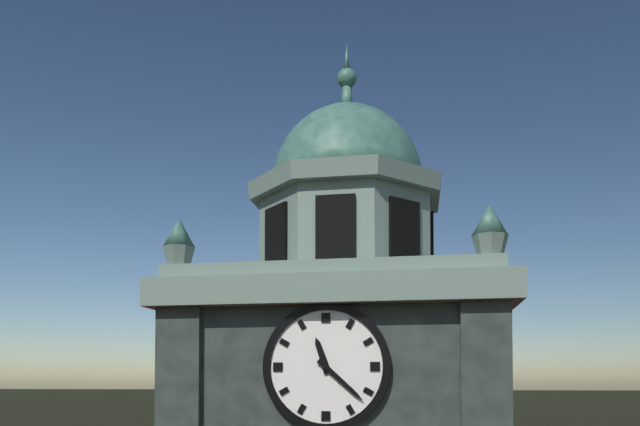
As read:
**11:22**
